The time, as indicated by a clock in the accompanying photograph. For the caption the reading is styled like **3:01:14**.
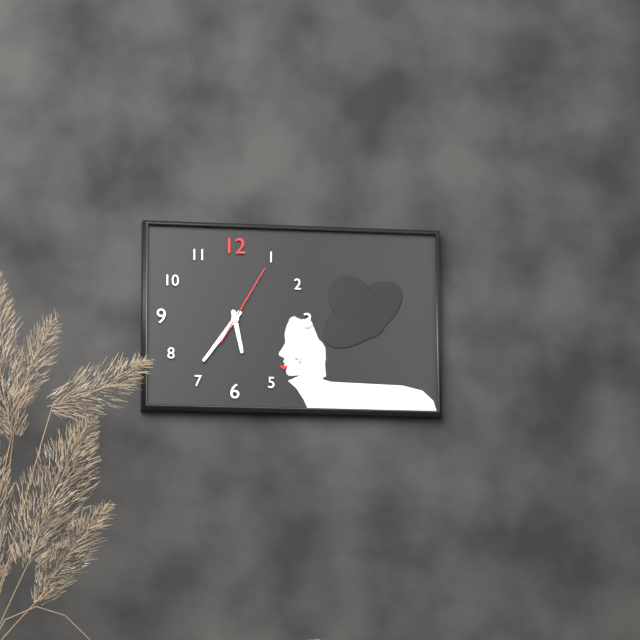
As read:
**5:36:05**
